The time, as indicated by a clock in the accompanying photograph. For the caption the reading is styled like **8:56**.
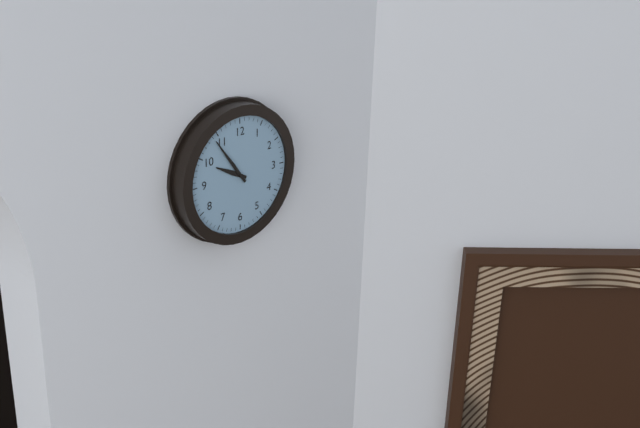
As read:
**9:54**
